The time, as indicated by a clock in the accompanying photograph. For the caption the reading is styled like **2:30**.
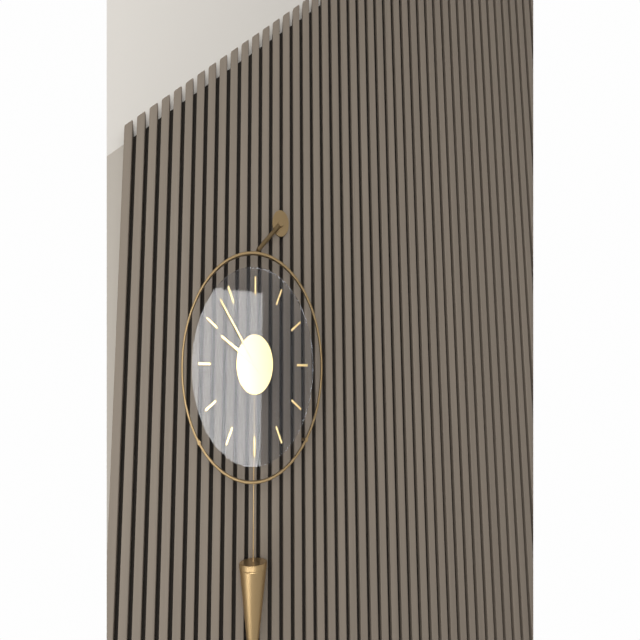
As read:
**9:53**
